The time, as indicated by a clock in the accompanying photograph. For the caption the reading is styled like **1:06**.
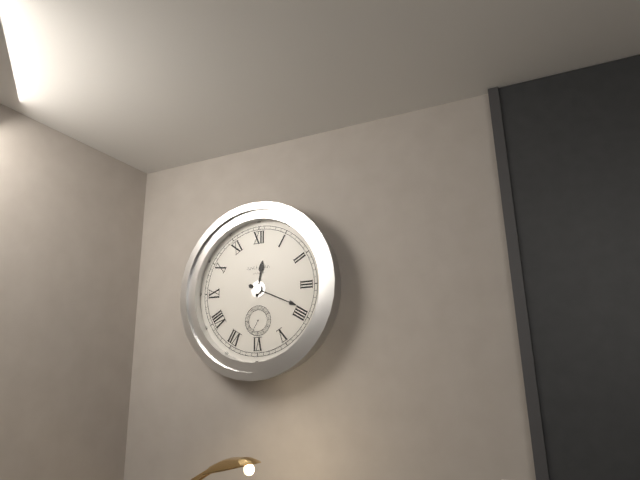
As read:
**12:19**
